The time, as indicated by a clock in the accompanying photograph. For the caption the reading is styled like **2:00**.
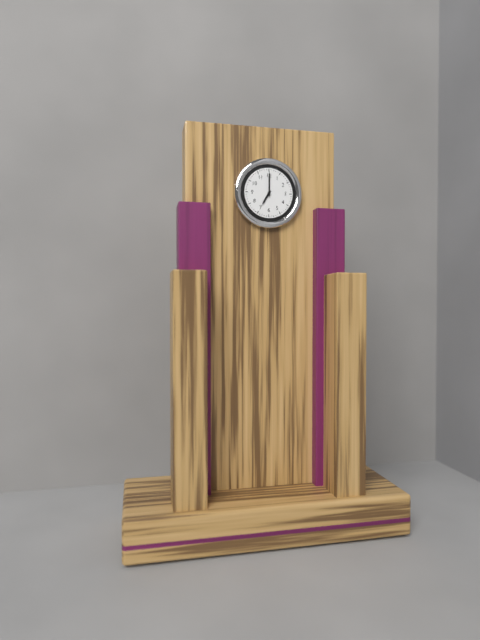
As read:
**7:00**
